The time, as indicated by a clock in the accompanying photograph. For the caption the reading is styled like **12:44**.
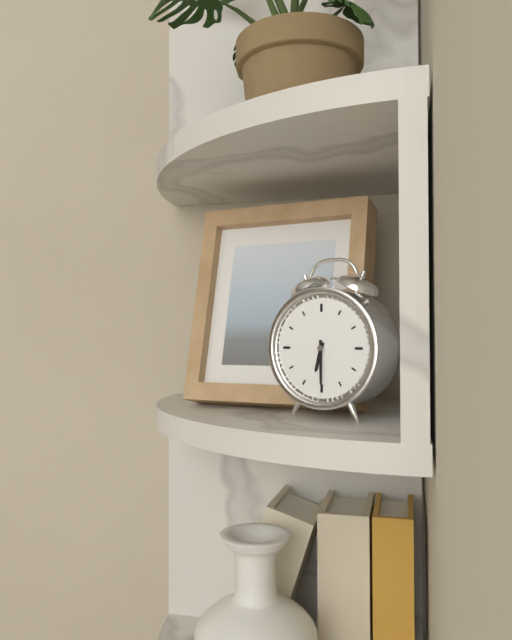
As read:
**6:30**
